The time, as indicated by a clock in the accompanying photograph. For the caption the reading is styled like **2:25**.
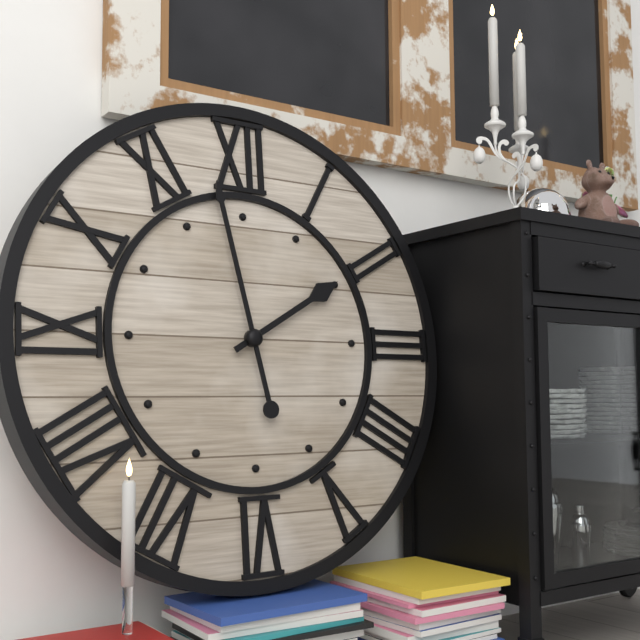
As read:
**1:58**
